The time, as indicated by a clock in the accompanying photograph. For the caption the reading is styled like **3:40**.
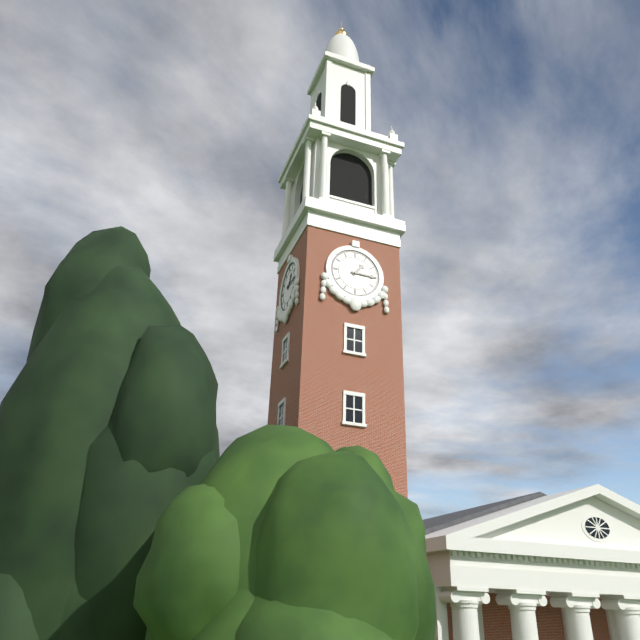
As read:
**1:15**
